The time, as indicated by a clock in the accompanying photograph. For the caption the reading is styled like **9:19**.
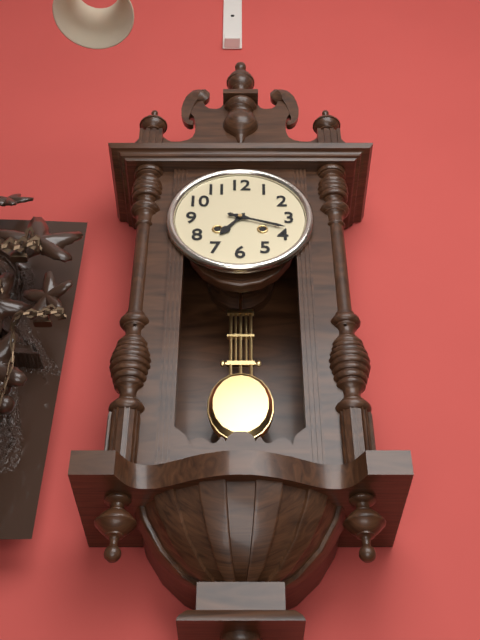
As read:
**7:18**
